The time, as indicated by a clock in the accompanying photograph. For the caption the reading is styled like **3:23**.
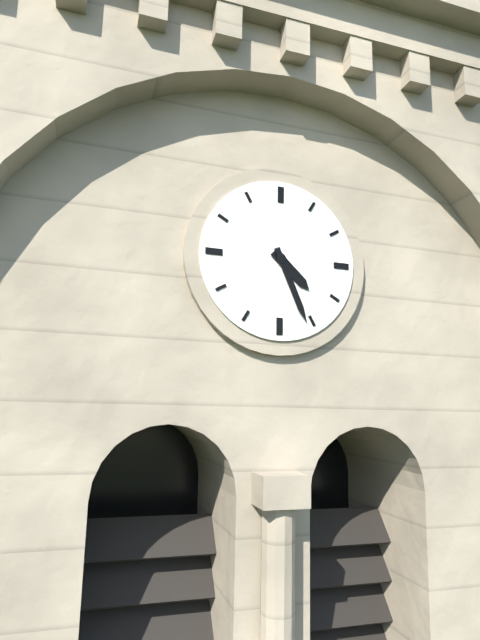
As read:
**4:26**
